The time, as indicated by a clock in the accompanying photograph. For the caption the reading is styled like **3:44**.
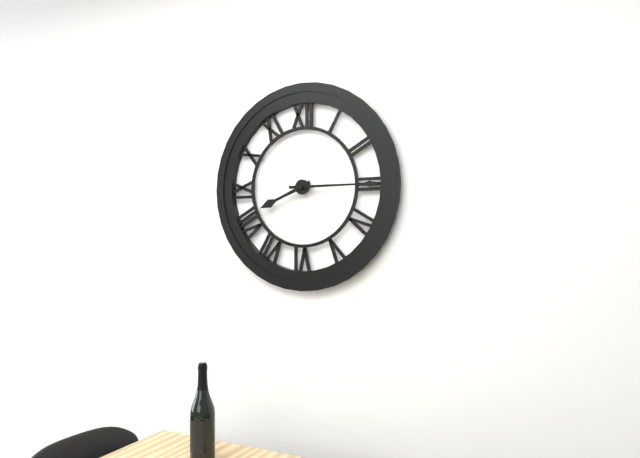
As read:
**8:15**
